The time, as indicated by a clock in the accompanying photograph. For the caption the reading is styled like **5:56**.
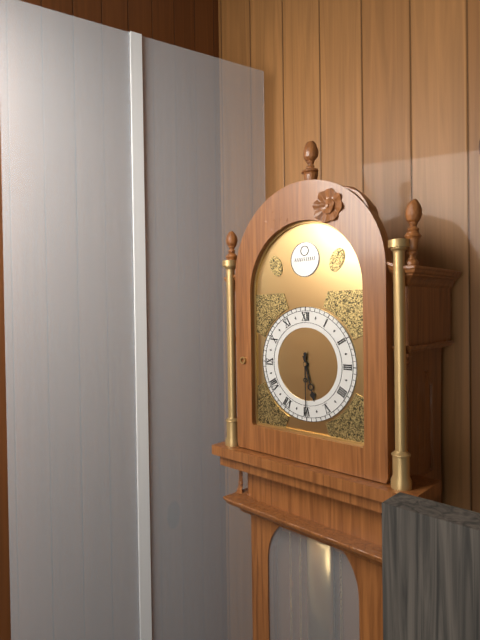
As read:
**5:30**
